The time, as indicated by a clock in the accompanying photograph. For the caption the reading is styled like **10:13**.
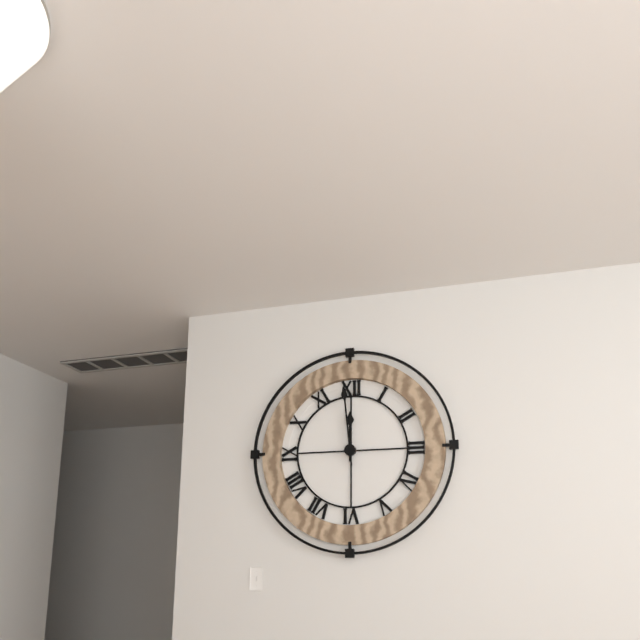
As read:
**11:59**
